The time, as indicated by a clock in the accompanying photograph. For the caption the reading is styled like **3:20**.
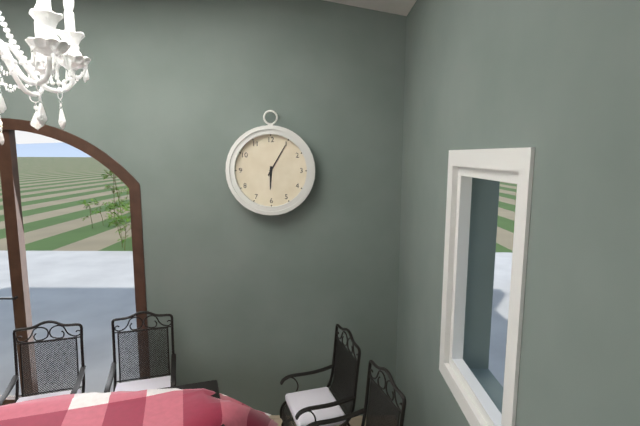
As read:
**6:05**
